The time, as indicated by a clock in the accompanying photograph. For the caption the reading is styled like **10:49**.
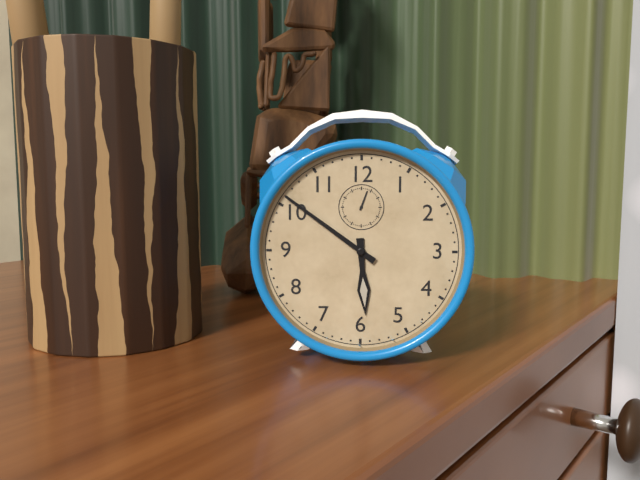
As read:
**5:51**
